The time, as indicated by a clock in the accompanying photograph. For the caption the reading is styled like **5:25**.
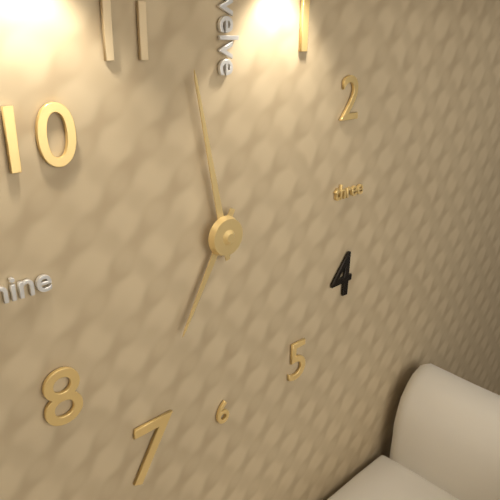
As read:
**6:58**
